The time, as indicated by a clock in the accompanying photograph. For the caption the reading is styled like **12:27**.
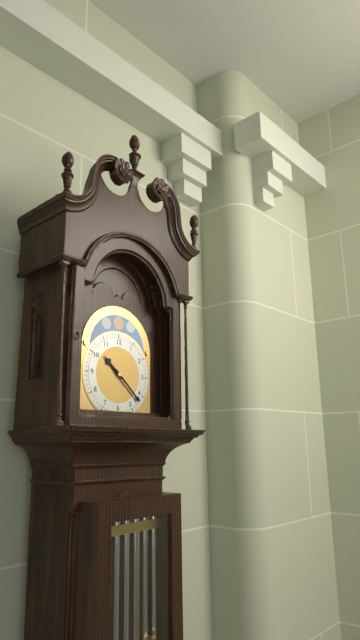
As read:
**10:22**
